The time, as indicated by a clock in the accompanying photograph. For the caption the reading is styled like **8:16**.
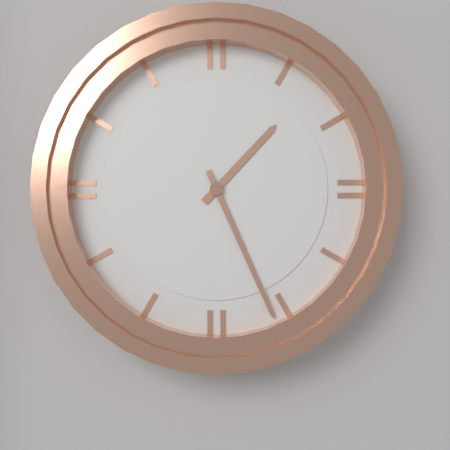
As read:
**1:26**
